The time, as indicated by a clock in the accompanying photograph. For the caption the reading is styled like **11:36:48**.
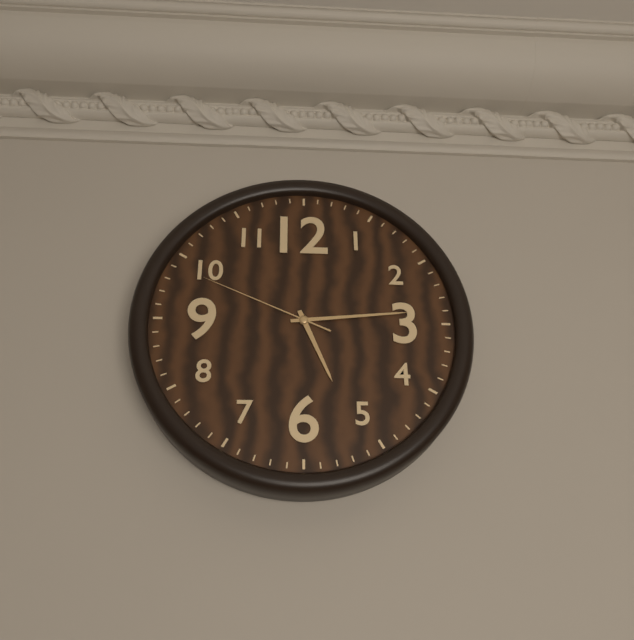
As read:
**5:14:49**
